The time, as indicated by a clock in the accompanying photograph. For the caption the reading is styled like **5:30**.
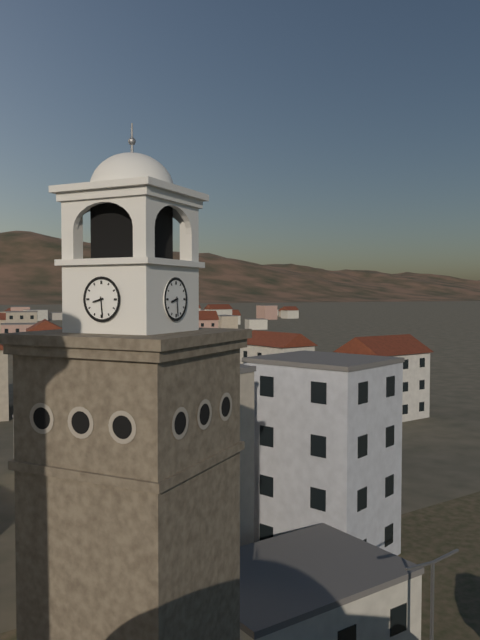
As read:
**8:29**
